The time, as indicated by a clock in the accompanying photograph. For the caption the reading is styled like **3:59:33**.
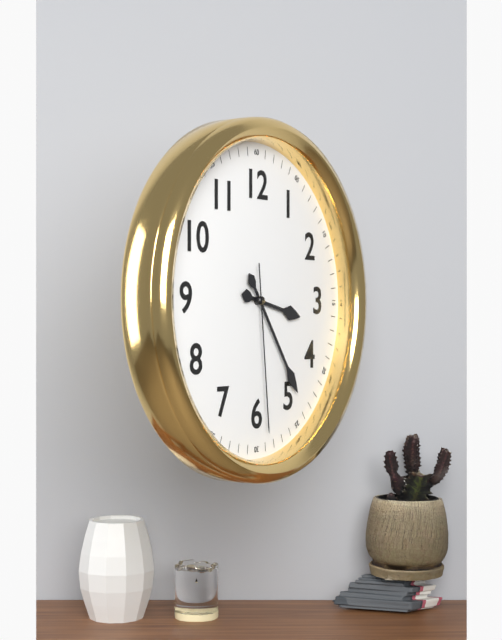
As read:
**3:24:29**
